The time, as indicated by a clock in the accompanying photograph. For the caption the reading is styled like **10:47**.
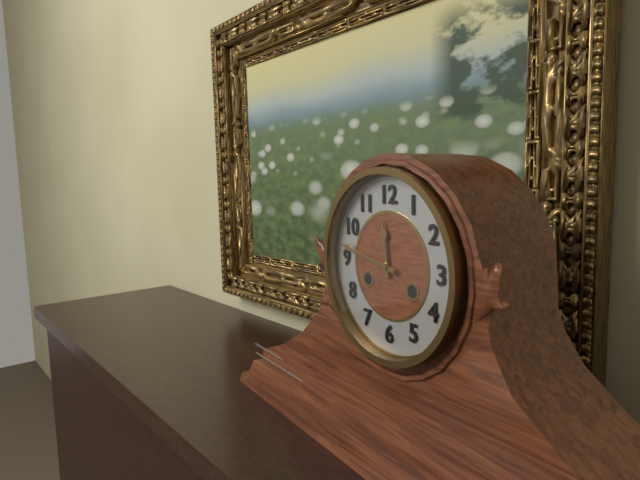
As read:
**11:47**
